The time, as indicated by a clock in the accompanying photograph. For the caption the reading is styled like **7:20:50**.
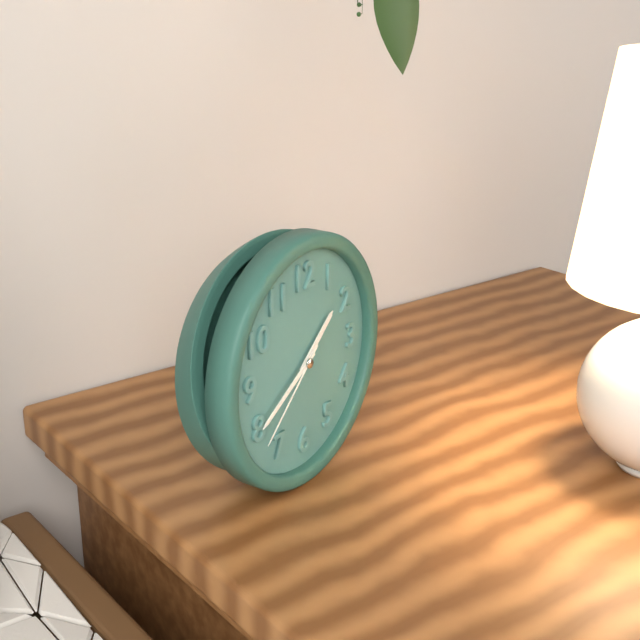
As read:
**1:40:38**
